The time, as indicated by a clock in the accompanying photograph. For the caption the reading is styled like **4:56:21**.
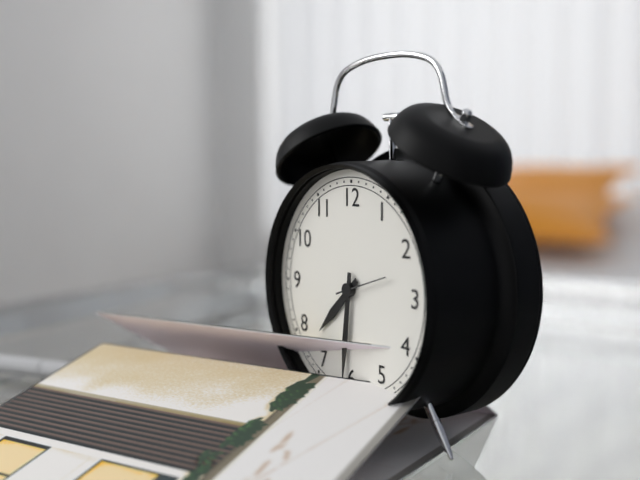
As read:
**7:31:12**
